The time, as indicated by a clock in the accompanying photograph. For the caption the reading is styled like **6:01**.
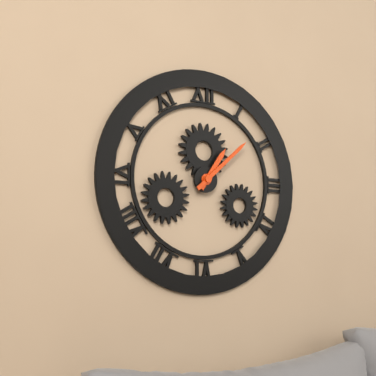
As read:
**1:08**
